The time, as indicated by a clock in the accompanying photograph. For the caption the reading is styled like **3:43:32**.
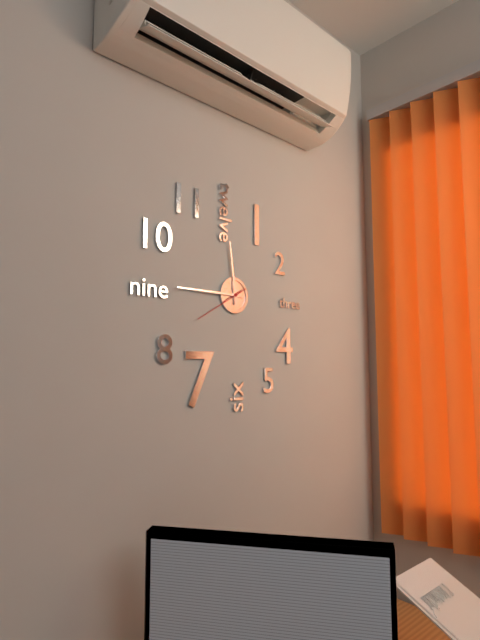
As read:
**11:45:40**
